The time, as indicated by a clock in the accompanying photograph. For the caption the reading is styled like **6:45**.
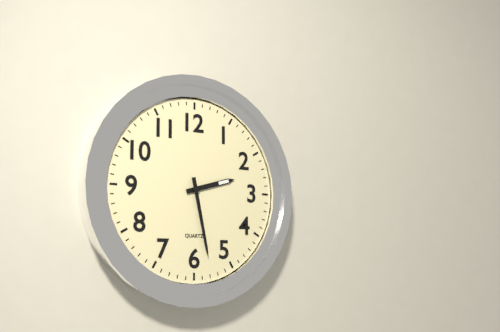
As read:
**2:28**
